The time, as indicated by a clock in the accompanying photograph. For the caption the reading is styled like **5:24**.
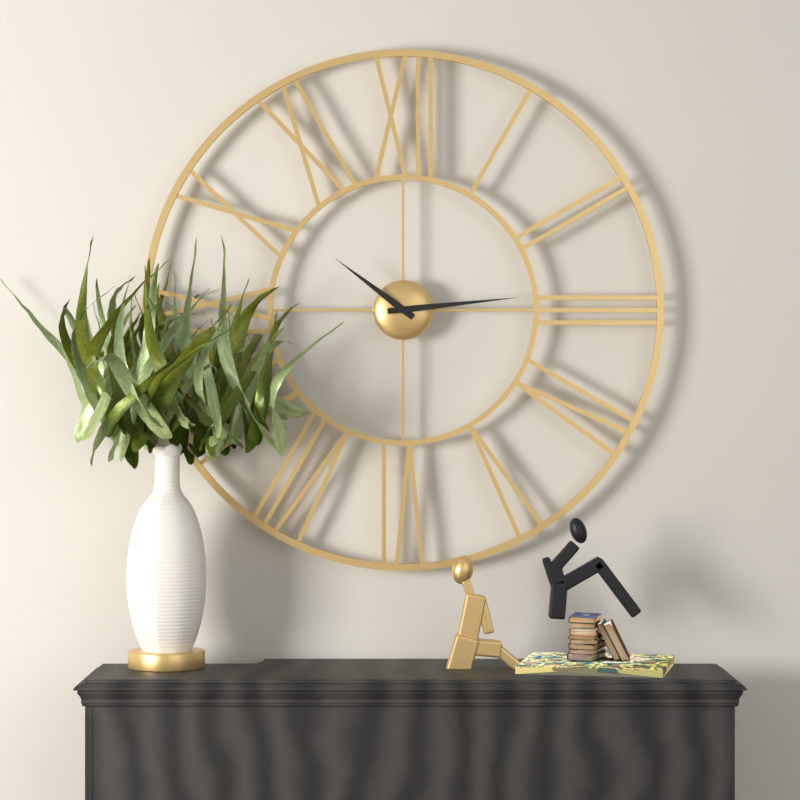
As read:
**10:14**
